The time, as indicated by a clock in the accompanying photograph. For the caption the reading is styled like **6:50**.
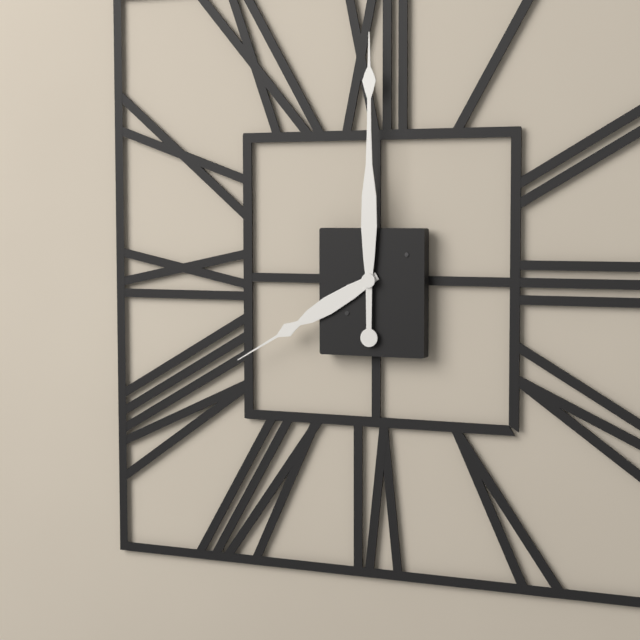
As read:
**8:00**
